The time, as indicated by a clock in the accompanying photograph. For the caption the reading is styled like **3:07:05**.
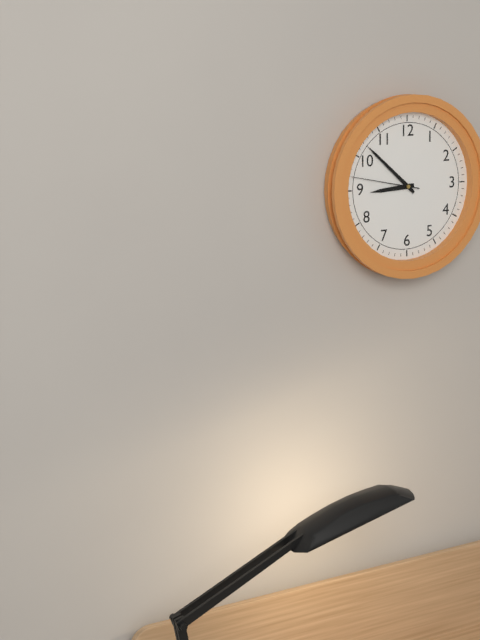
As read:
**8:52:47**
